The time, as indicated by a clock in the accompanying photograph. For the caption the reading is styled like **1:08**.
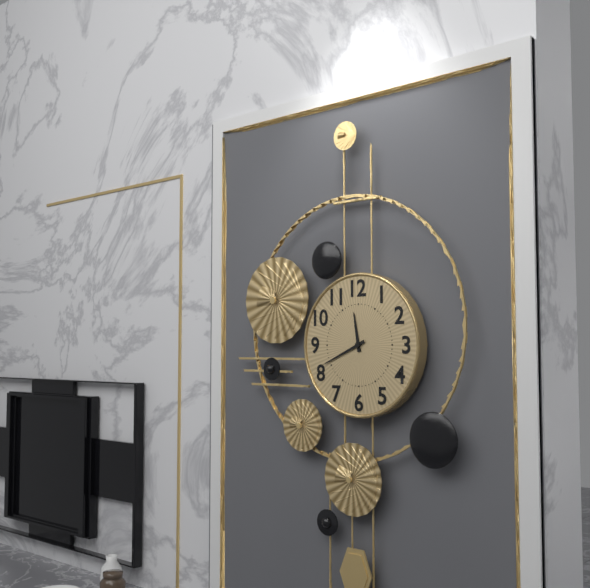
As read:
**11:41**
